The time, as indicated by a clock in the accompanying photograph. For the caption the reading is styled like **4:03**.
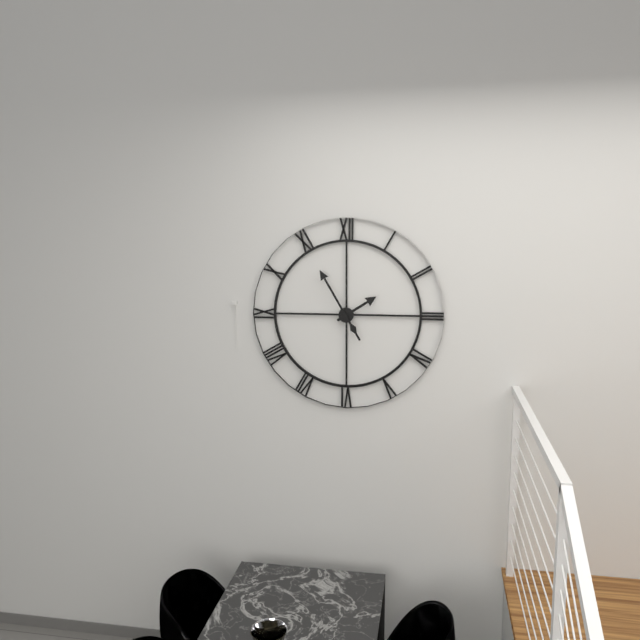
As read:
**1:55**
